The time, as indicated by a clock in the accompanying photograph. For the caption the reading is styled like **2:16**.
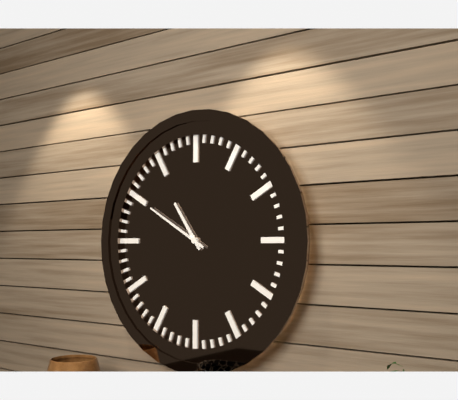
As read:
**10:50**
